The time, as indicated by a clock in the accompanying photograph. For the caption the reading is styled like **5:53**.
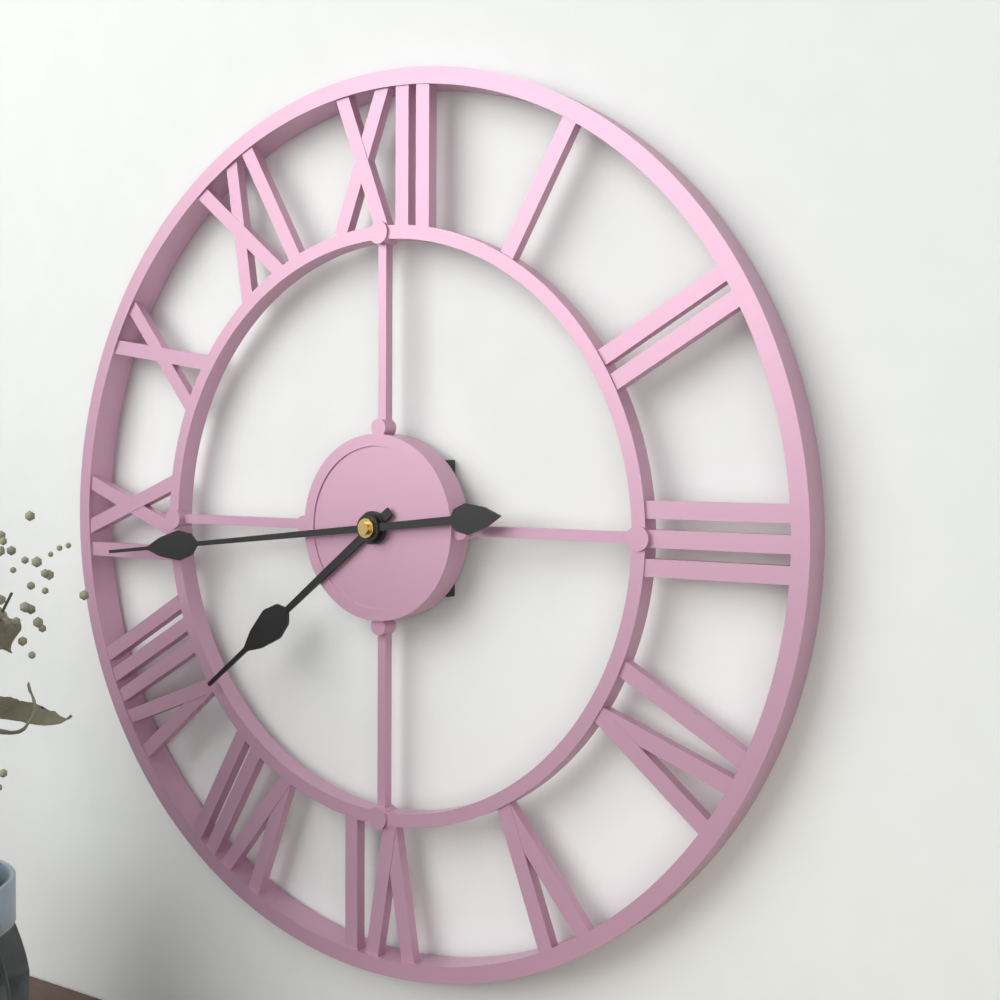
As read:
**7:44**
